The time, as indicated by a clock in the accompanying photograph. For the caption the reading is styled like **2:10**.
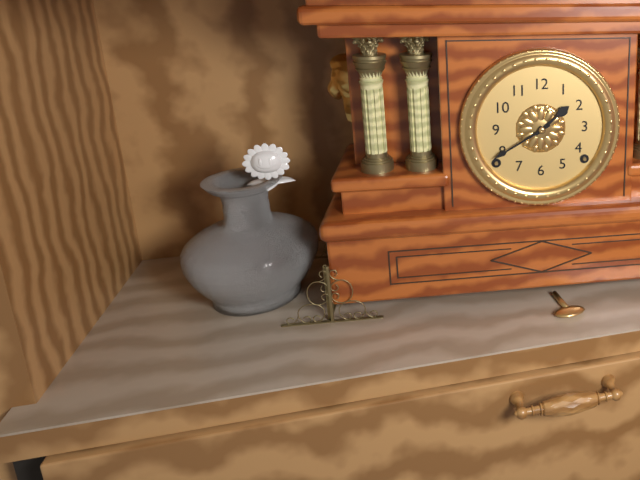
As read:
**1:40**
